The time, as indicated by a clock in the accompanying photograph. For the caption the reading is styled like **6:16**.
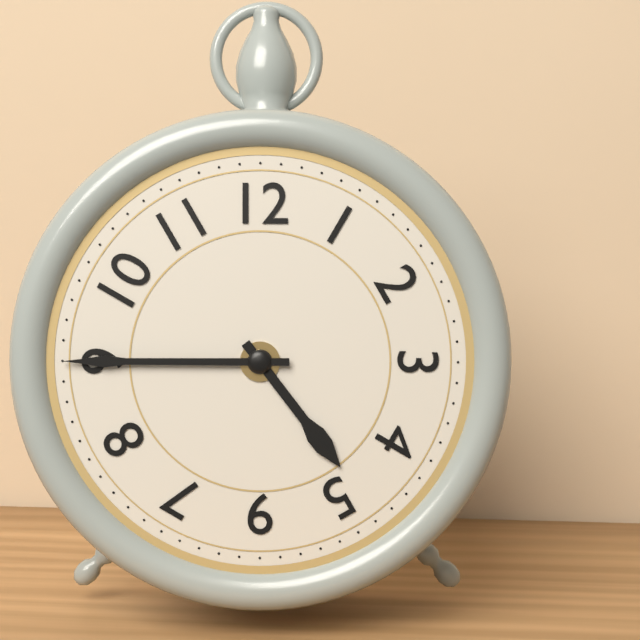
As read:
**4:45**
